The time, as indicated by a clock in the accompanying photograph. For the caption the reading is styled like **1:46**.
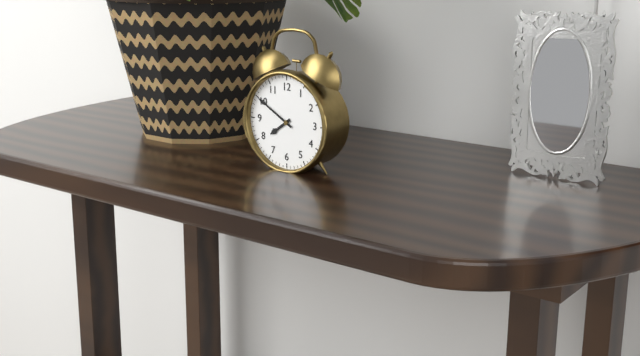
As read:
**7:50**
